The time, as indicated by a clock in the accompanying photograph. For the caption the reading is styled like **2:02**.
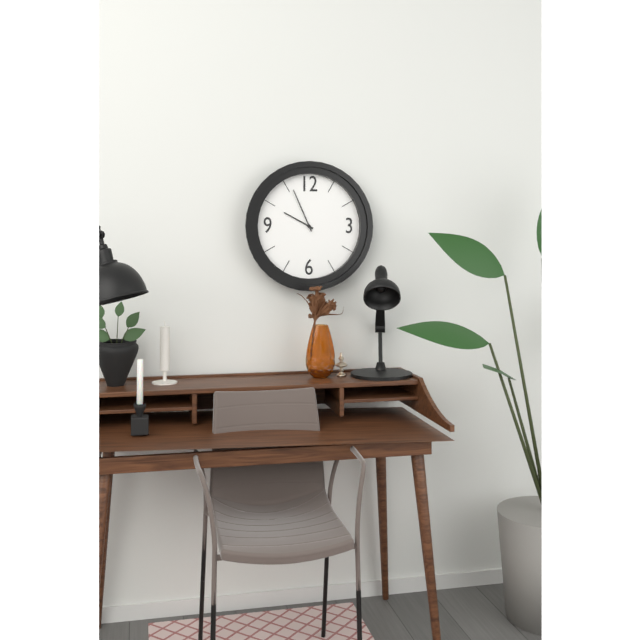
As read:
**9:56**
